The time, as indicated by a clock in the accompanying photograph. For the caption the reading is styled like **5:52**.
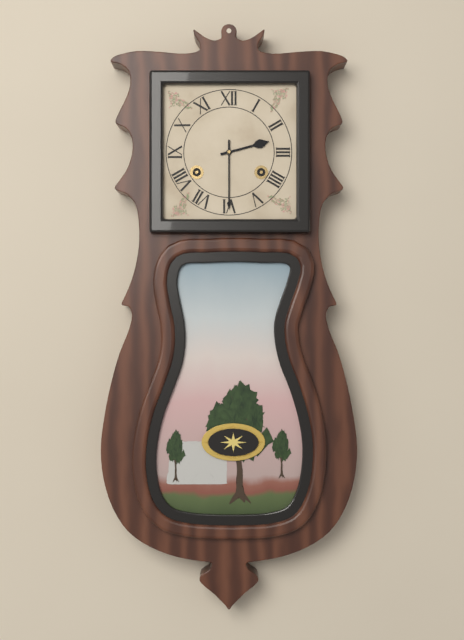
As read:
**2:30**
